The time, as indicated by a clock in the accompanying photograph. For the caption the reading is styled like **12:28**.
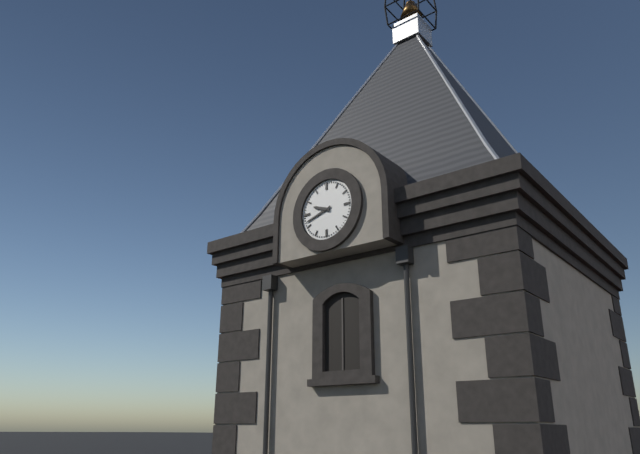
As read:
**9:42**
